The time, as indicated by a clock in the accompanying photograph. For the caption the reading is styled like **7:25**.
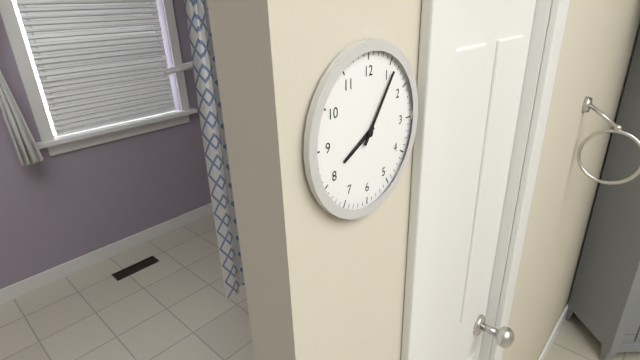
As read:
**8:06**
